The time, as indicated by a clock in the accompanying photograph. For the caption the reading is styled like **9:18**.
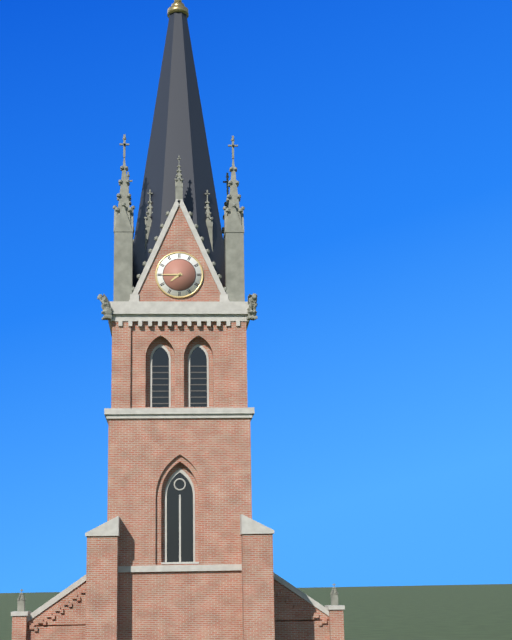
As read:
**7:45**
